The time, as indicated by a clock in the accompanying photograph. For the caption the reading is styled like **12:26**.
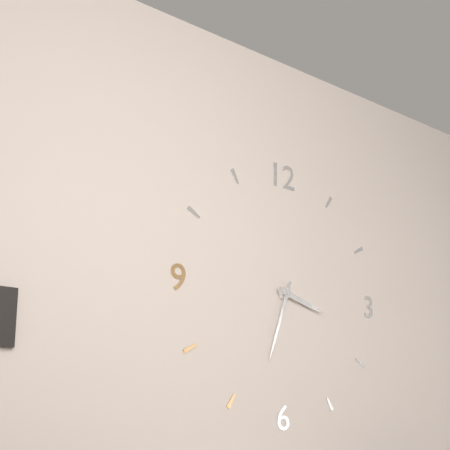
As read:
**3:33**
